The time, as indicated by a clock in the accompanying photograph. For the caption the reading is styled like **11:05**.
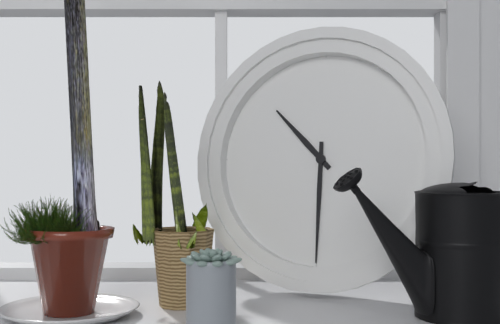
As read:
**10:30**
